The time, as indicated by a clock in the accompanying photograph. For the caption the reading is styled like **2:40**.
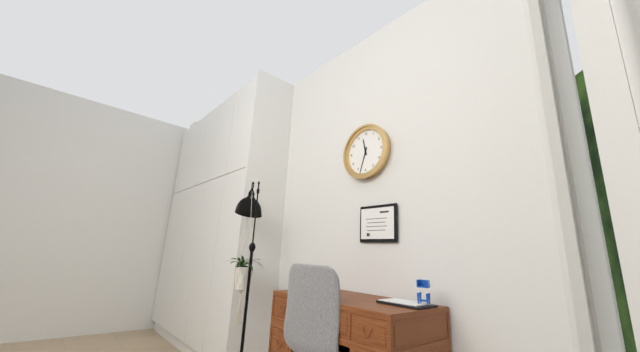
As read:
**11:33**
